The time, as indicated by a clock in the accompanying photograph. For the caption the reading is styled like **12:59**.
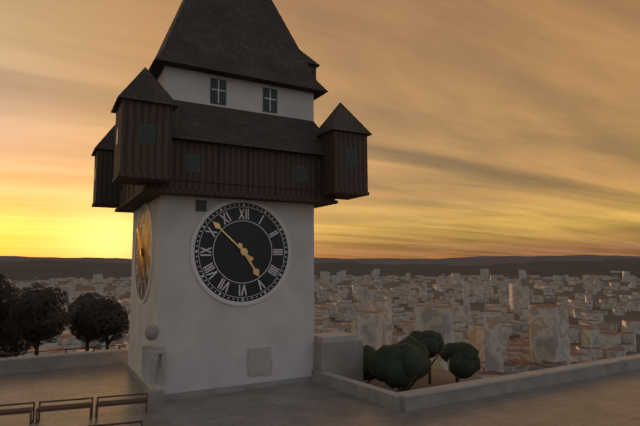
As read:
**4:52**
